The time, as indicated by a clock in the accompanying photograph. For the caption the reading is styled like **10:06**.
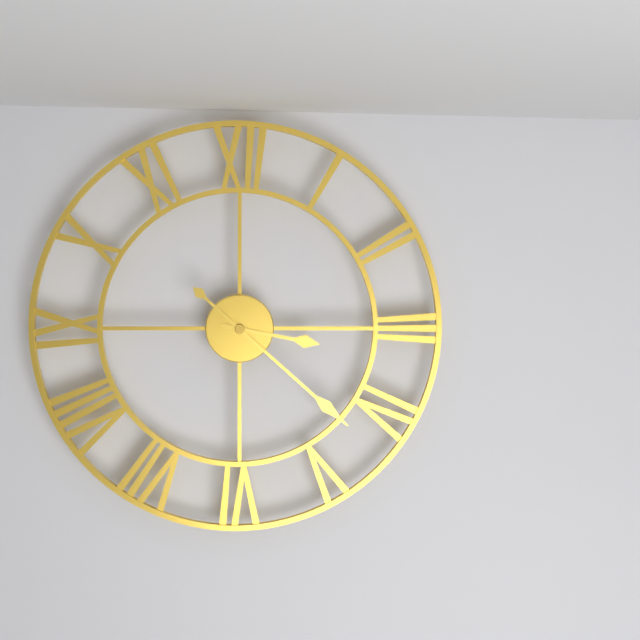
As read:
**3:22**
